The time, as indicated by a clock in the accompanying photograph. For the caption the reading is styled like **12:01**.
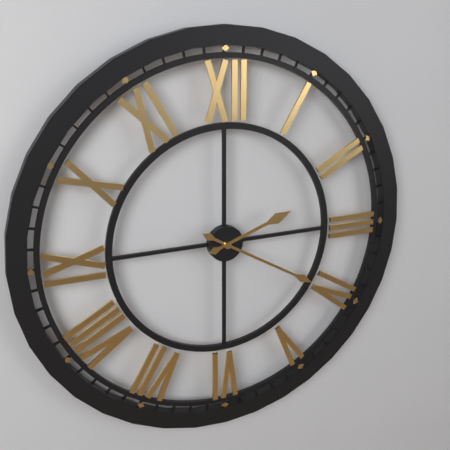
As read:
**2:20**
